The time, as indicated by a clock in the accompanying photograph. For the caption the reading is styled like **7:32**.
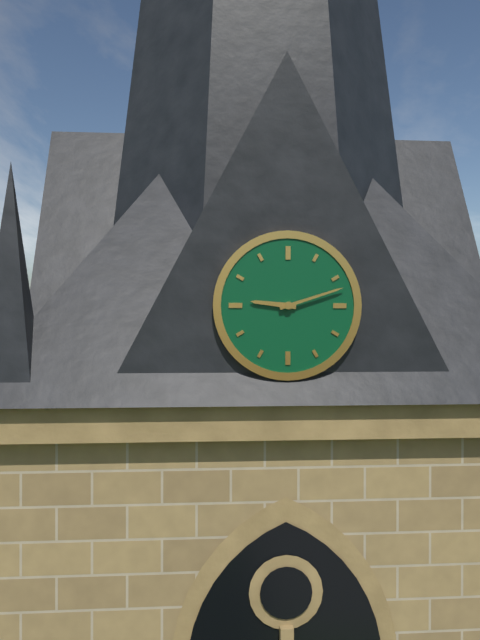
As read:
**9:12**
